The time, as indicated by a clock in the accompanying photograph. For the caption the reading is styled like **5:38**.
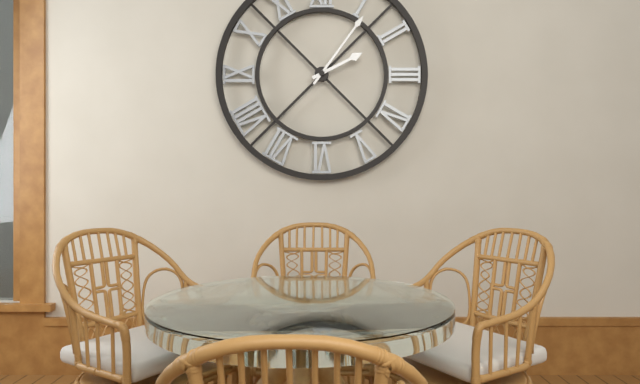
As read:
**2:06**
